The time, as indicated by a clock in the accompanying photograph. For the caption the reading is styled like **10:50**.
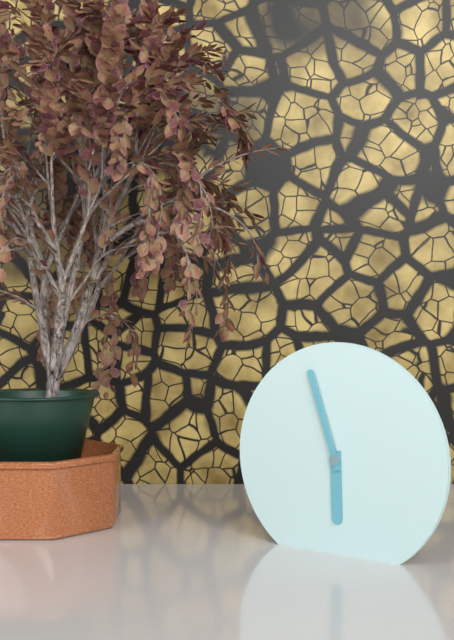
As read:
**5:57**
